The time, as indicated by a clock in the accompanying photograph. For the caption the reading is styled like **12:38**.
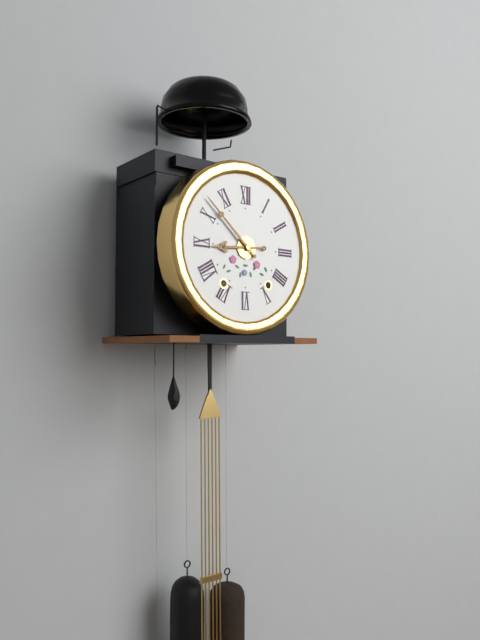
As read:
**8:52**
